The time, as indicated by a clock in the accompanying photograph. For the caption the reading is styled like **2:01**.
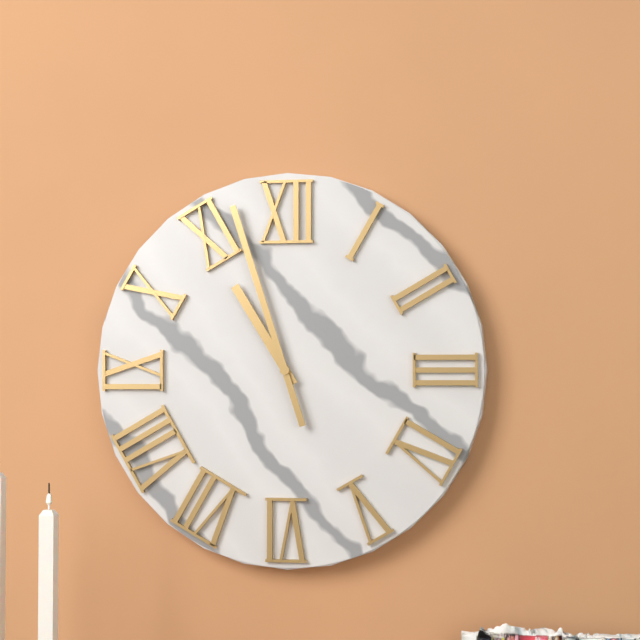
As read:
**10:57**
